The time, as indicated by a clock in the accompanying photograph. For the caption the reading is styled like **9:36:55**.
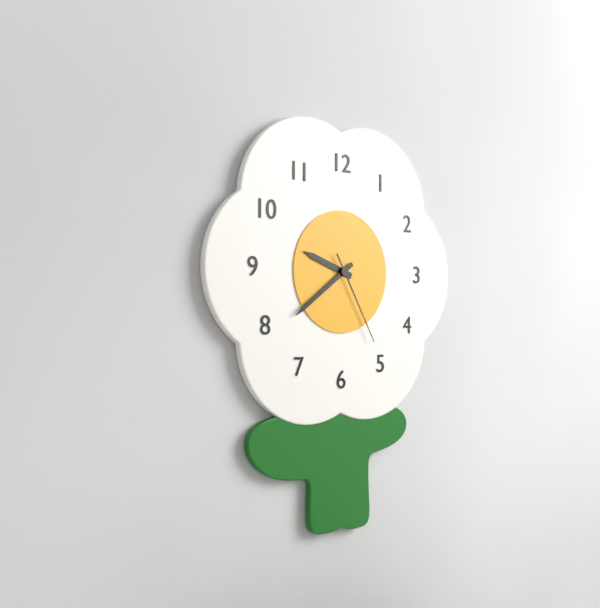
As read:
**9:39:25**
